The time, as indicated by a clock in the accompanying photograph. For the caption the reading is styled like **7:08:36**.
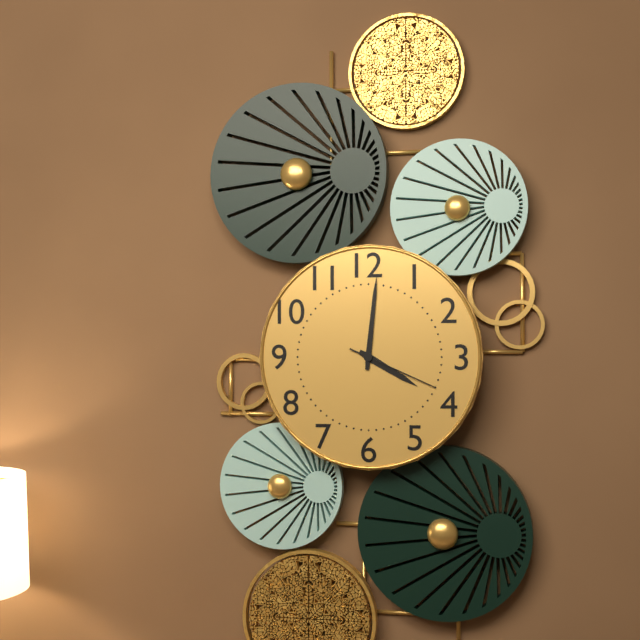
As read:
**4:01:19**
